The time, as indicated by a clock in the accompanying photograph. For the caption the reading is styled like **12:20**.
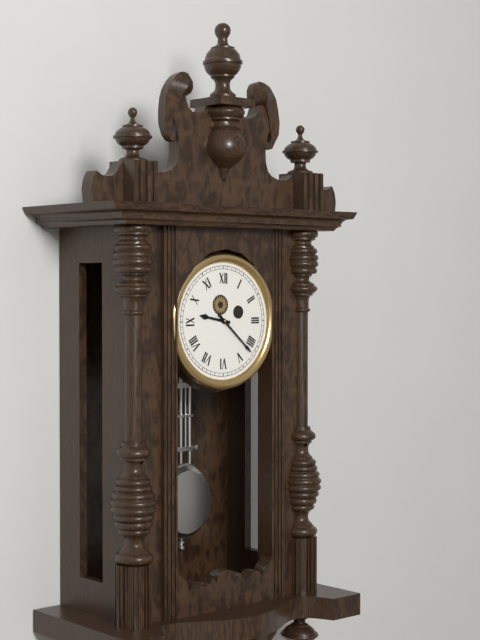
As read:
**9:22**
